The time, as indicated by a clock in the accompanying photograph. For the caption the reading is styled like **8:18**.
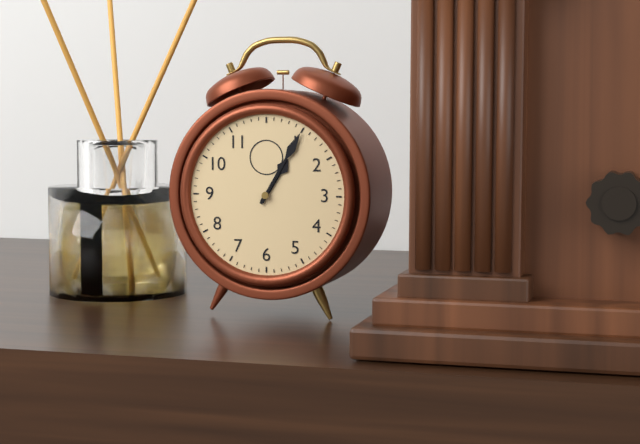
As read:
**1:05**
